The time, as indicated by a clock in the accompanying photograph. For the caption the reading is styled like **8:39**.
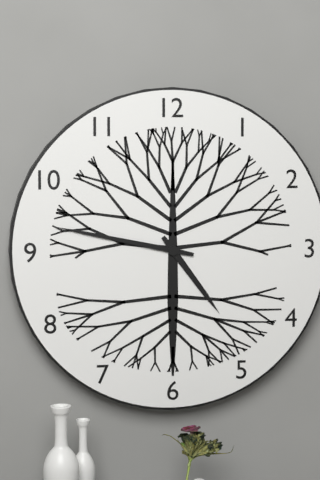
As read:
**4:47**
